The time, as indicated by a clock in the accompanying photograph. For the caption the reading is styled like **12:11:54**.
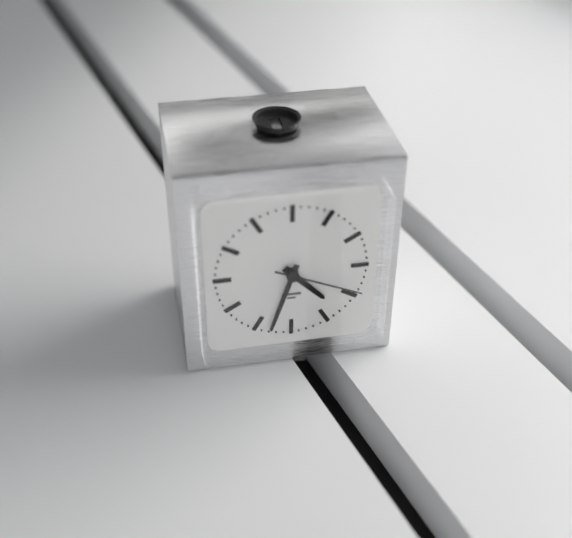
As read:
**4:33:19**
